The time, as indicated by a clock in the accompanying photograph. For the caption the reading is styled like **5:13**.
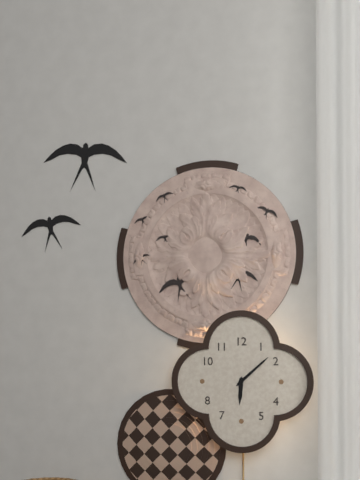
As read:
**6:08**
